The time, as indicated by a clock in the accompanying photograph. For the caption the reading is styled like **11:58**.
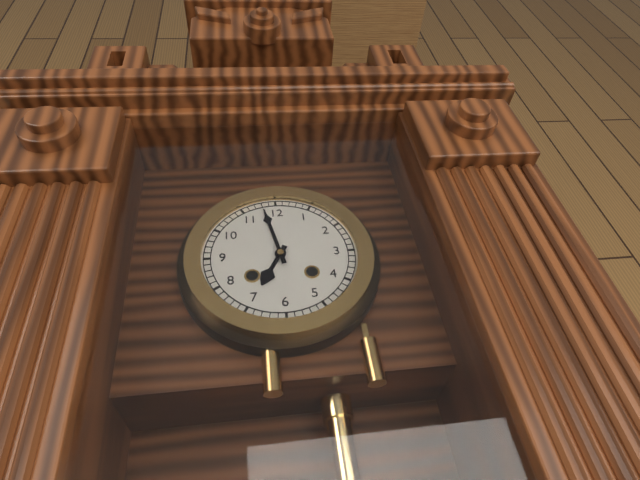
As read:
**6:58**
